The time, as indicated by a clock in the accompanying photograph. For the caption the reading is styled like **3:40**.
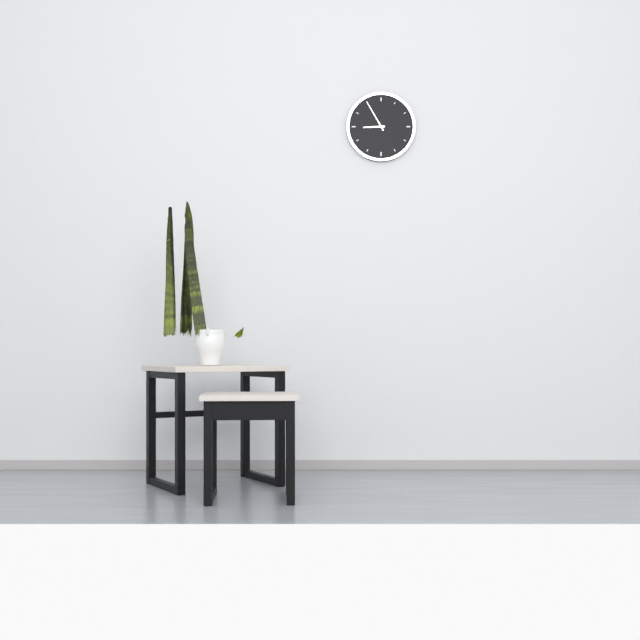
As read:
**8:55**
